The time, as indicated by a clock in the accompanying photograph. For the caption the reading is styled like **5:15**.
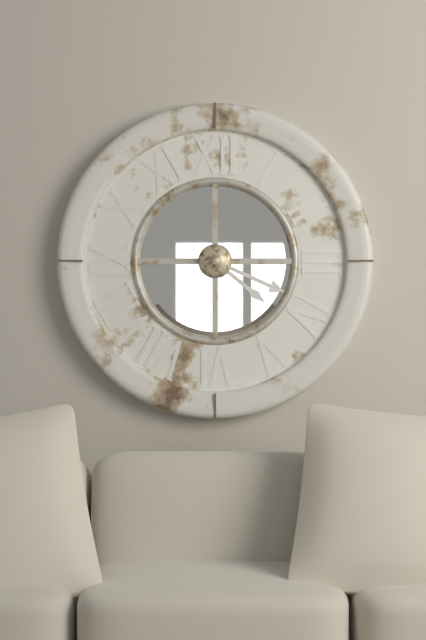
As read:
**4:19**
